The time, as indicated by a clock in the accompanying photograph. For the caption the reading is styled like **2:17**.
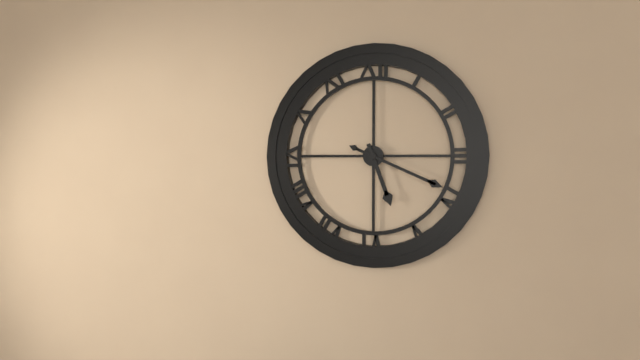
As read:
**5:19**
